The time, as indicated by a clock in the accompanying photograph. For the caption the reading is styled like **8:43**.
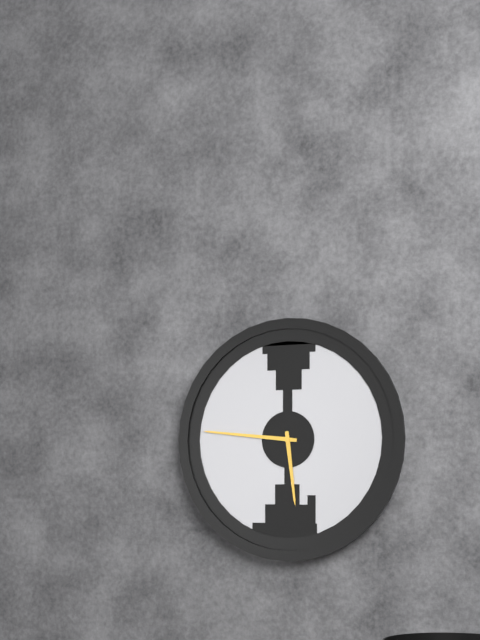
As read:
**5:46**
